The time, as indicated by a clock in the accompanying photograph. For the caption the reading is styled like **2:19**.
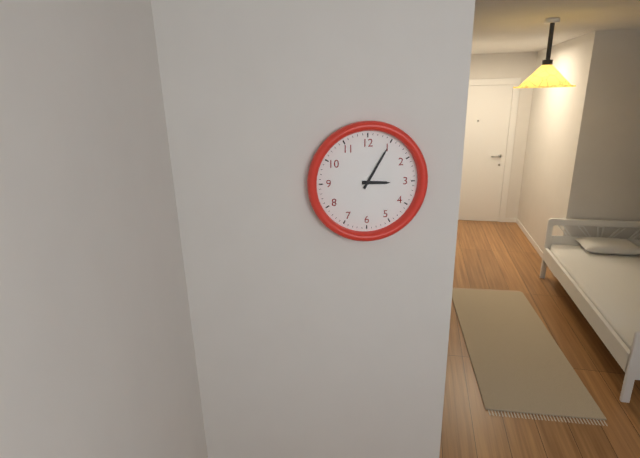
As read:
**3:05**
